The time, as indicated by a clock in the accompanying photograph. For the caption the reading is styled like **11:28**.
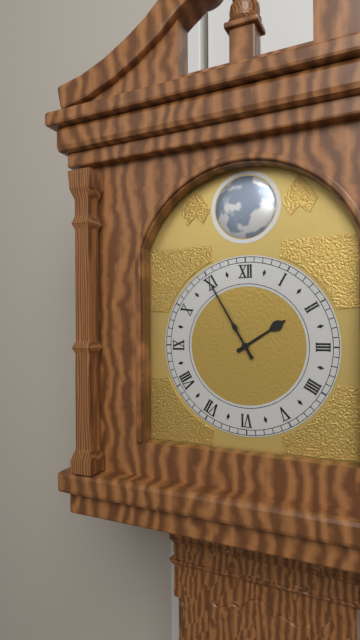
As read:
**1:55**
